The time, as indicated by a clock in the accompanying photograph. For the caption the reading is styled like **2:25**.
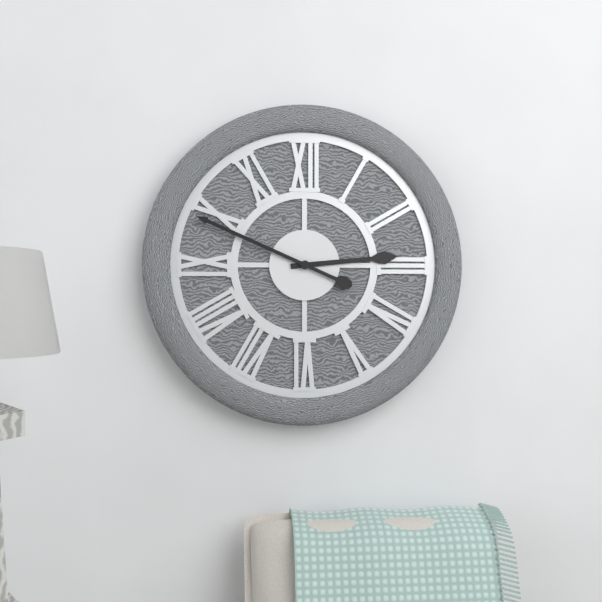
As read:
**2:49**
